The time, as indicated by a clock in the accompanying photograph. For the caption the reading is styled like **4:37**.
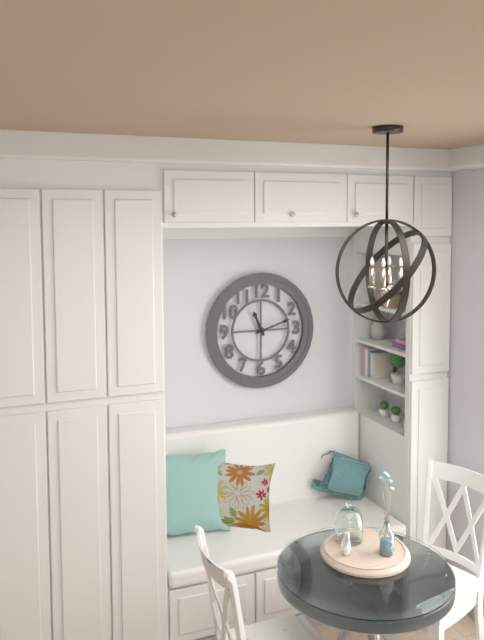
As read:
**11:12**
